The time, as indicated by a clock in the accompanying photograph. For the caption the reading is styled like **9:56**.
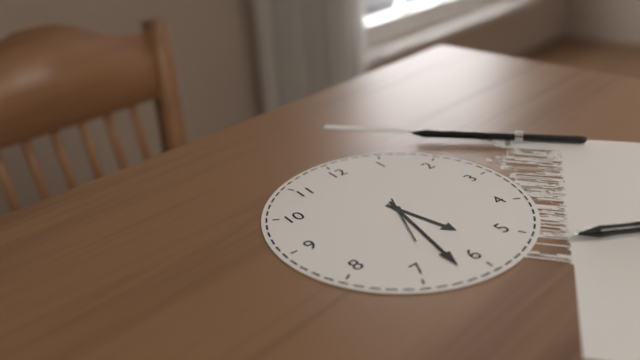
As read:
**5:32**
